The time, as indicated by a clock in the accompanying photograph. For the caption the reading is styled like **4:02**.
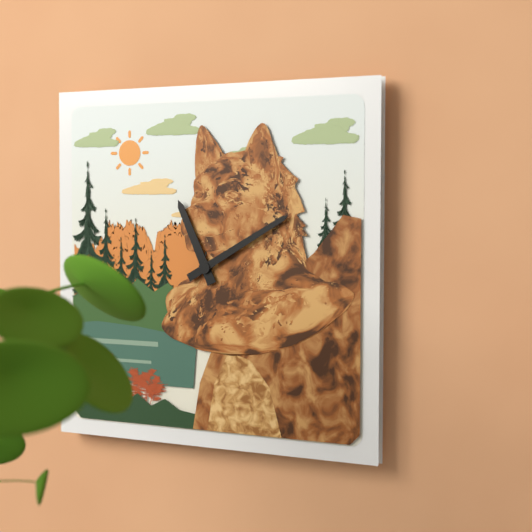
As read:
**11:10**
